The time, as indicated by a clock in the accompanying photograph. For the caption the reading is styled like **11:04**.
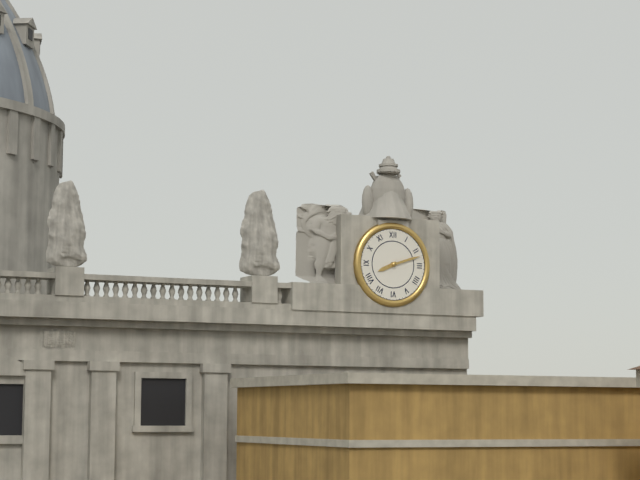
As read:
**8:12**
